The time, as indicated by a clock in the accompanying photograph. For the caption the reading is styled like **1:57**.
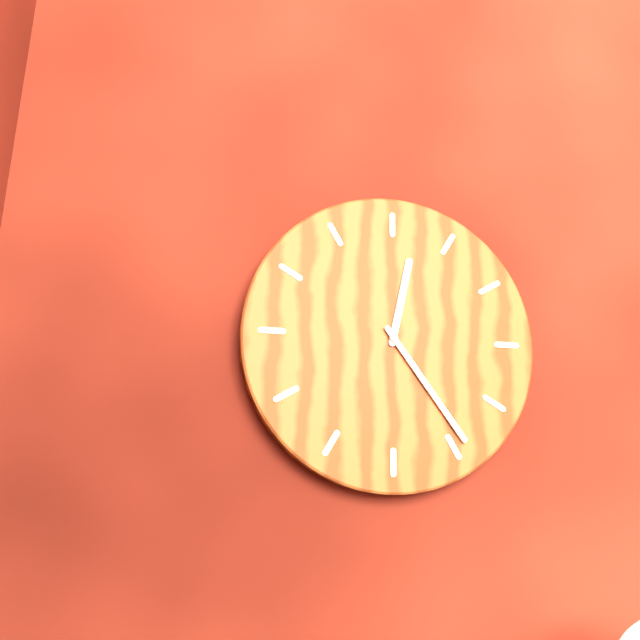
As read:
**12:24**
